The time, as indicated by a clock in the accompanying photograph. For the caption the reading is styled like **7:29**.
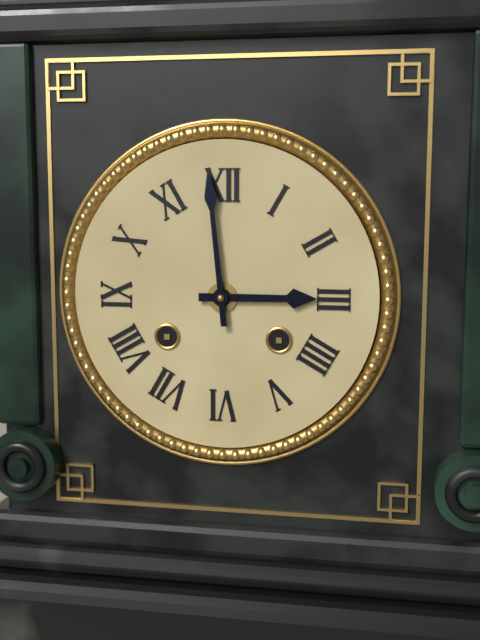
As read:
**2:59**
